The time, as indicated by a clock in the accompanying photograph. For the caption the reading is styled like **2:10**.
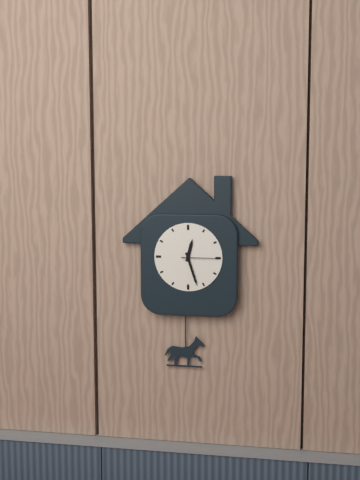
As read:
**12:27**
